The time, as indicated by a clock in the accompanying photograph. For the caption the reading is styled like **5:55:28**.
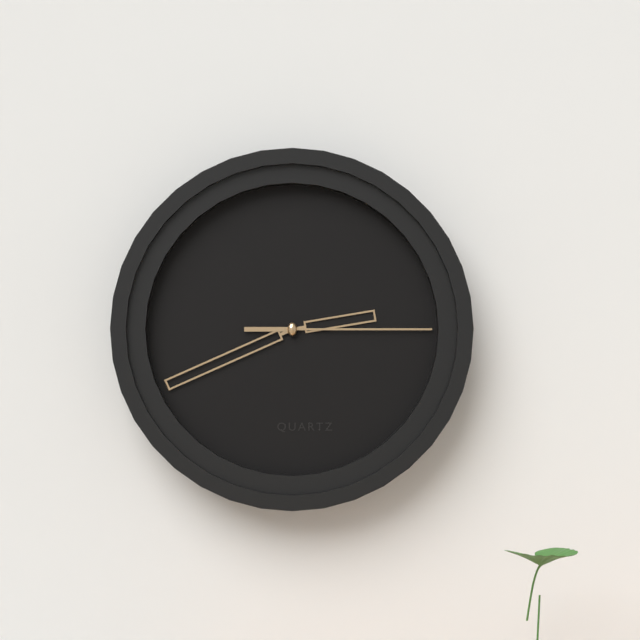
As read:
**2:41:15**
